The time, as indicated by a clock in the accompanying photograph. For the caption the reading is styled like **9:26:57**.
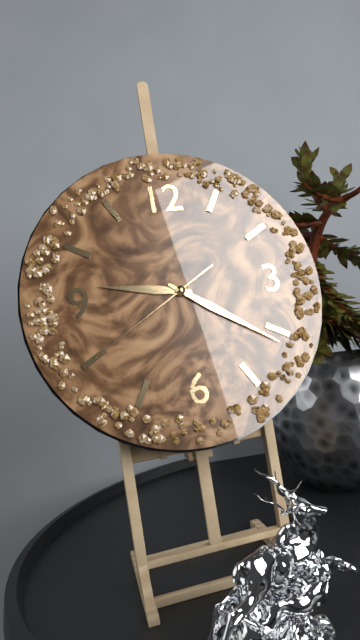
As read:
**9:21:40**
